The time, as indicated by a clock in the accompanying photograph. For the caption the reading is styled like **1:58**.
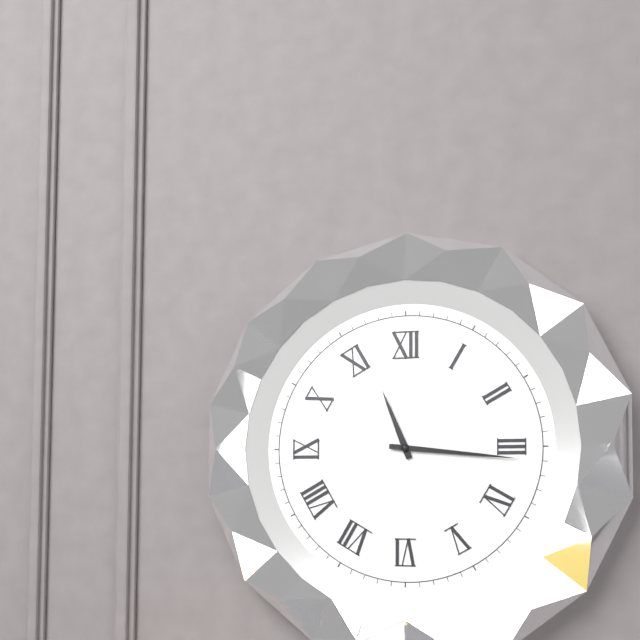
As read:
**11:16**
